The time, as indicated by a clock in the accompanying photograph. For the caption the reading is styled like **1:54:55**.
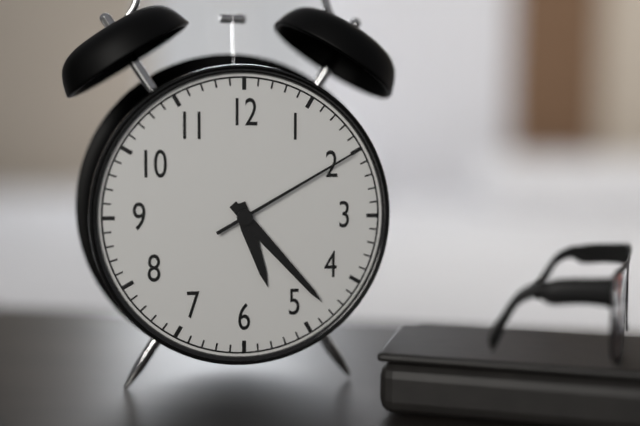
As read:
**5:23:10**
